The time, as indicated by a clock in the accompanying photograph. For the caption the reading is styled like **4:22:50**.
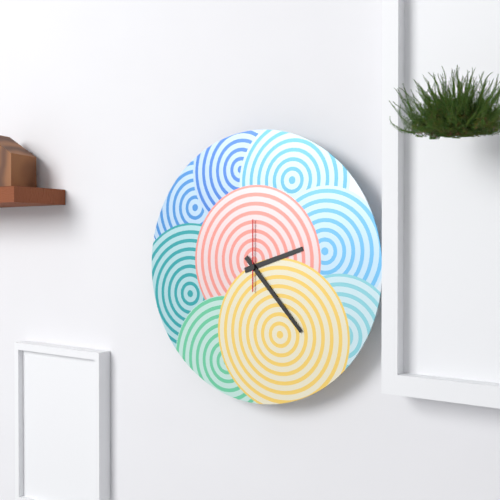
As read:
**2:23:00**
